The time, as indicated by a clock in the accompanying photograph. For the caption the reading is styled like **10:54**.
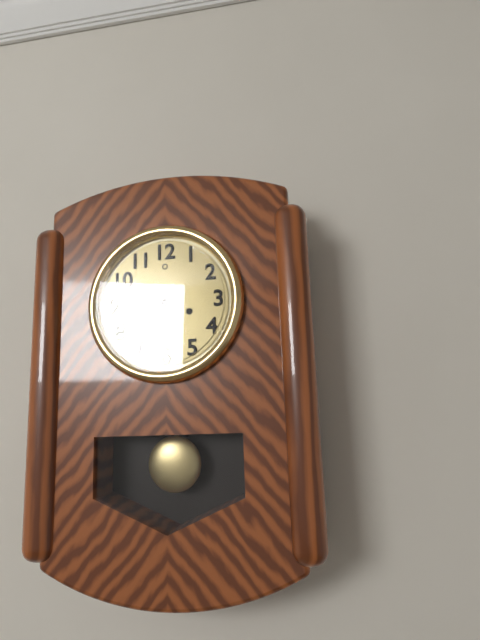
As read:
**7:33**
